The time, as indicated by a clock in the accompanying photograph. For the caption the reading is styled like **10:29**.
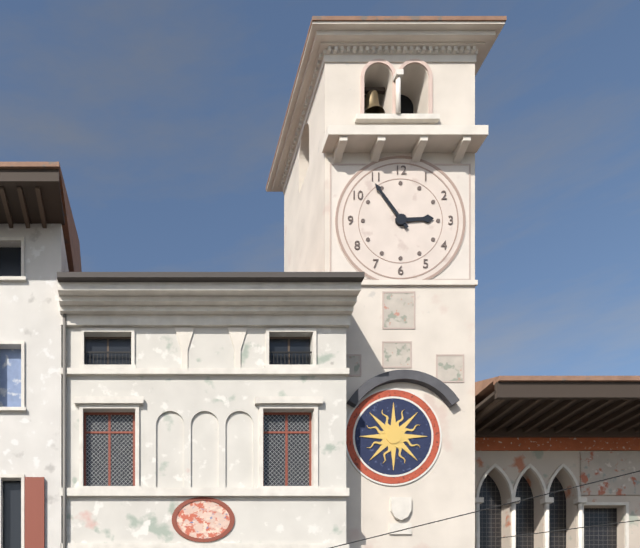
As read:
**2:54**
